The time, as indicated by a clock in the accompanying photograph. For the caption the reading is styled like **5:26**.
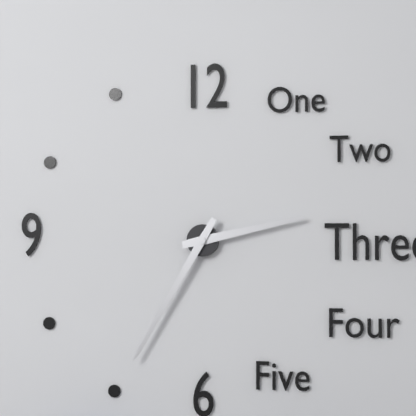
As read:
**2:35**
